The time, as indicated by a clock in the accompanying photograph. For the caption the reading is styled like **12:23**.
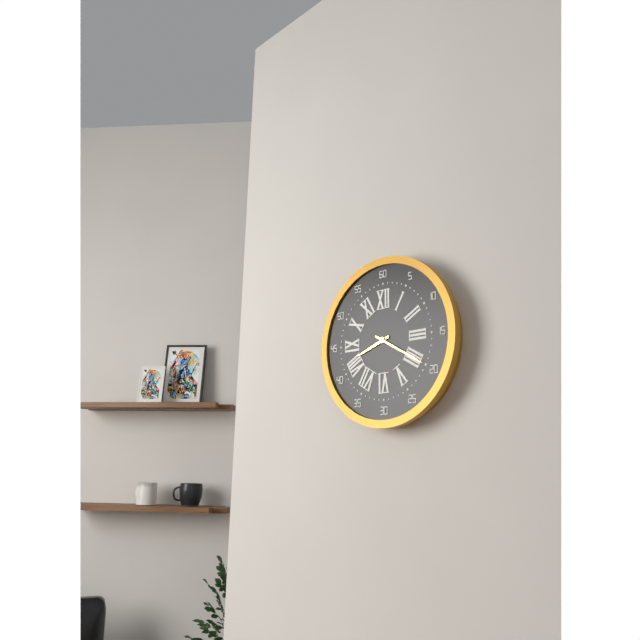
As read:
**8:20**
